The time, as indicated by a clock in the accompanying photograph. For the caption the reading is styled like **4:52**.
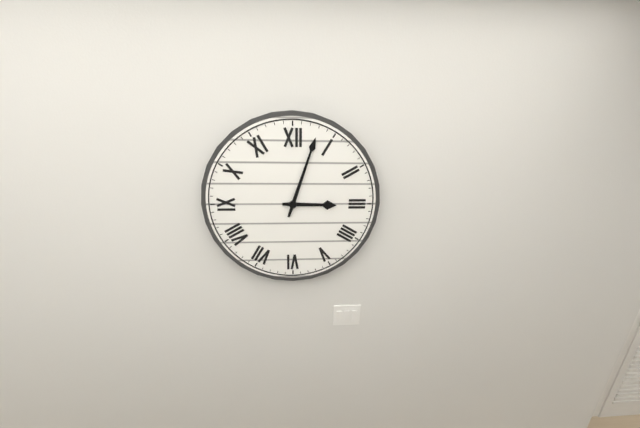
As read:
**3:03**
